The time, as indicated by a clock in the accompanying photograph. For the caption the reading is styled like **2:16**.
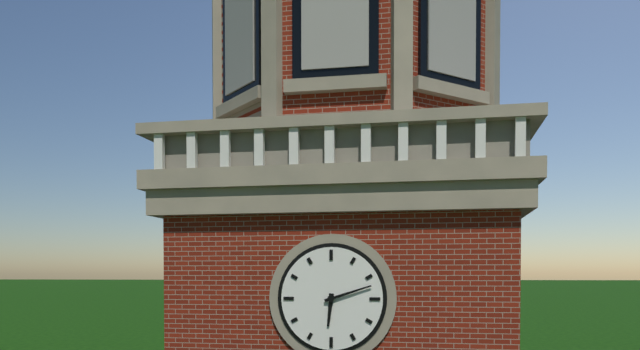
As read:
**6:12**
